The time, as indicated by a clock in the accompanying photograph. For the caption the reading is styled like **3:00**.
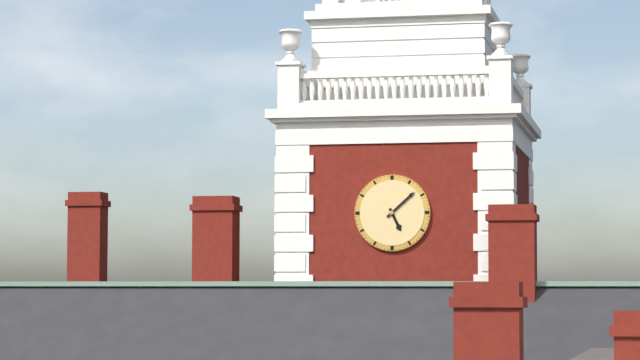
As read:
**5:08**
